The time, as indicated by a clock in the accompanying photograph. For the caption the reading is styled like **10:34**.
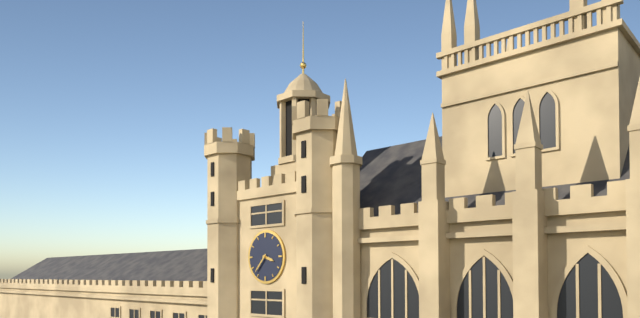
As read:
**3:37**
